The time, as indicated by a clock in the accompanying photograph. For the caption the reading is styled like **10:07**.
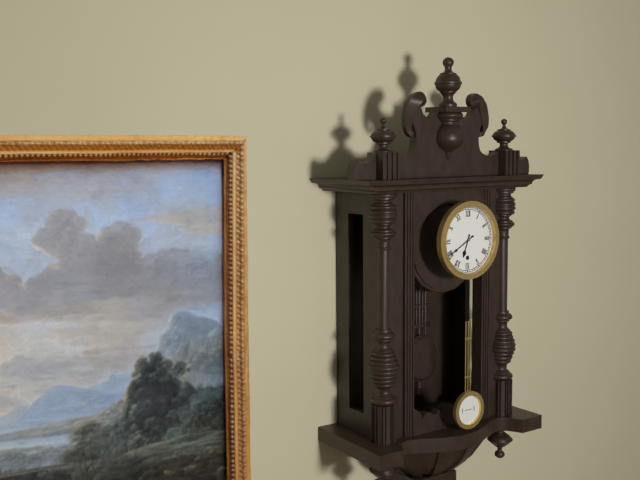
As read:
**6:40**
